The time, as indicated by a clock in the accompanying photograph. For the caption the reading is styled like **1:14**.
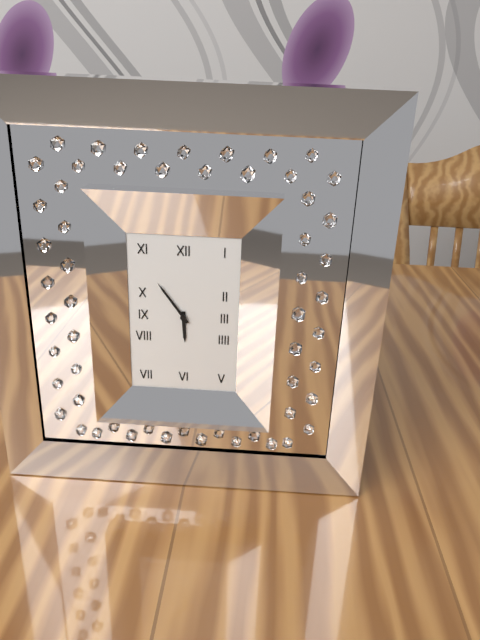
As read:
**5:54**
